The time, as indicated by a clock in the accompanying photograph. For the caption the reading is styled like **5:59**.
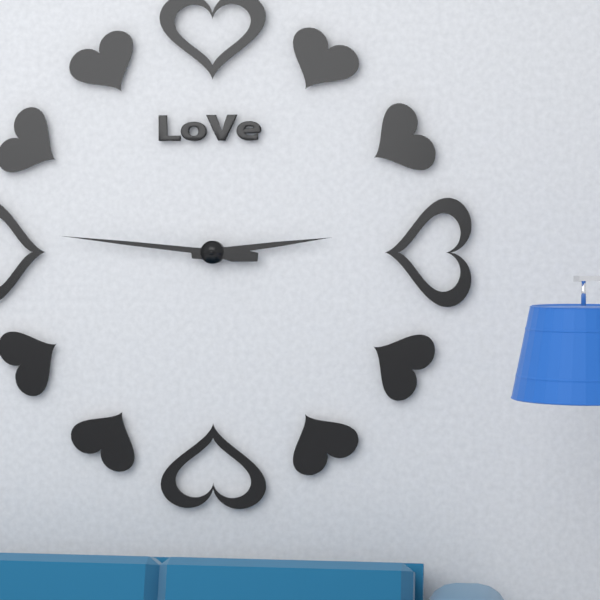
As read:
**2:46**
